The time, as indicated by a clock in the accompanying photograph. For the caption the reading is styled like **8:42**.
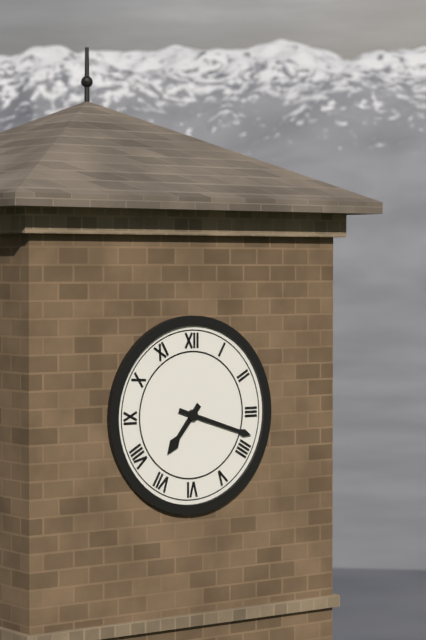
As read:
**7:18**
